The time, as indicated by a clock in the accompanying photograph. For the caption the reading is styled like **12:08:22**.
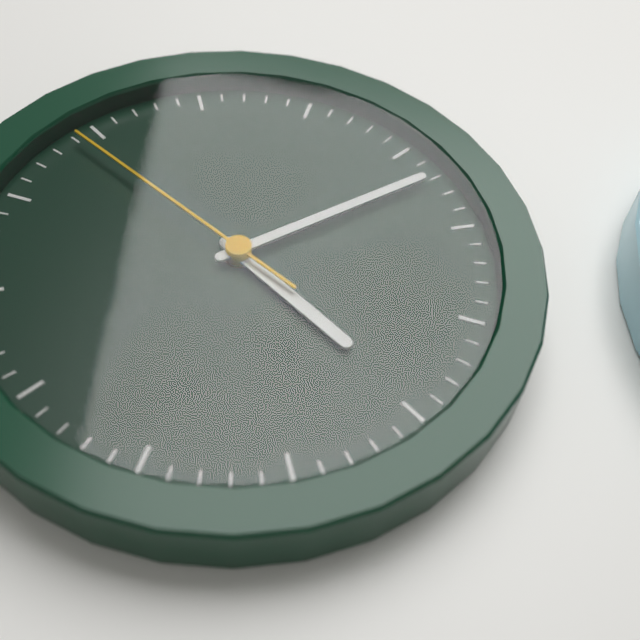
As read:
**1:57:39**
